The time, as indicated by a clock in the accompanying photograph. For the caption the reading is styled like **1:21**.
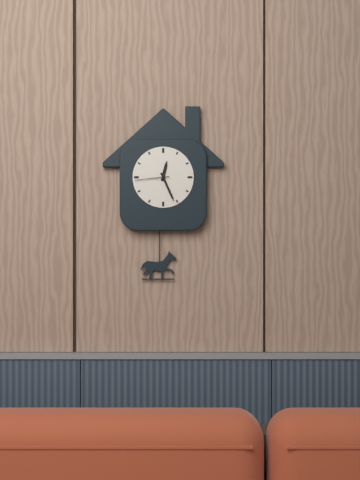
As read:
**12:26**
